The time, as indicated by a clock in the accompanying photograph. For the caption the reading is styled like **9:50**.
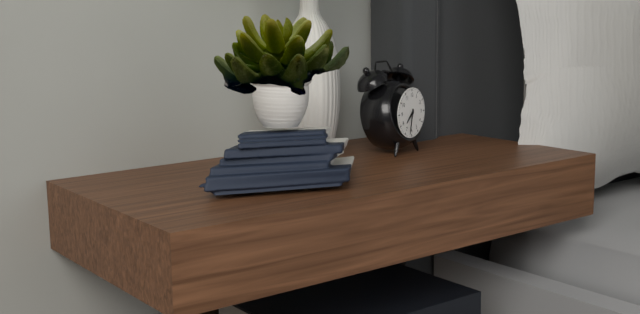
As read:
**7:32**
